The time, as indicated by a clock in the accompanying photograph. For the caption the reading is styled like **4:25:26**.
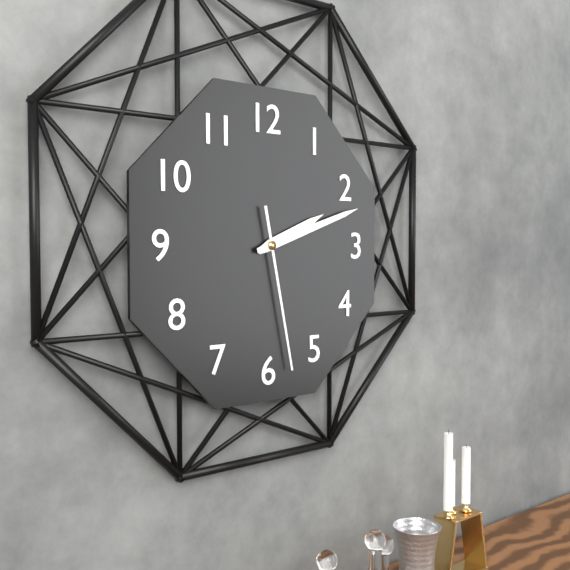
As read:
**2:12:28**
